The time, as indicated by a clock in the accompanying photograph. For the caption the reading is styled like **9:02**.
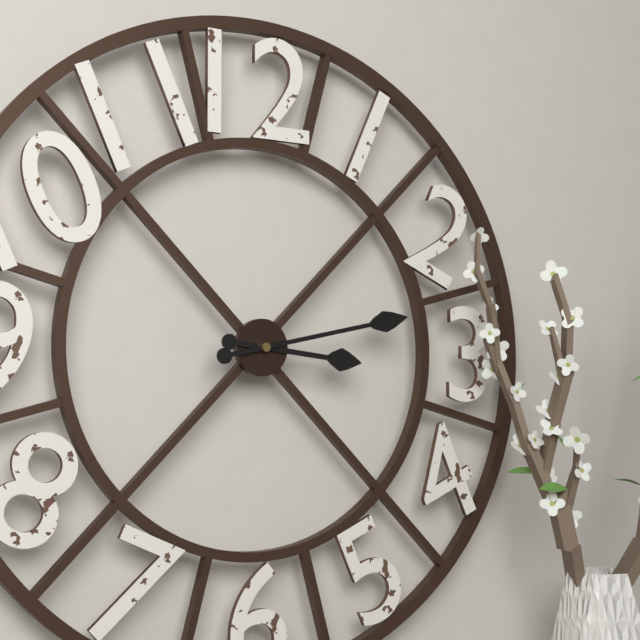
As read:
**3:13**
